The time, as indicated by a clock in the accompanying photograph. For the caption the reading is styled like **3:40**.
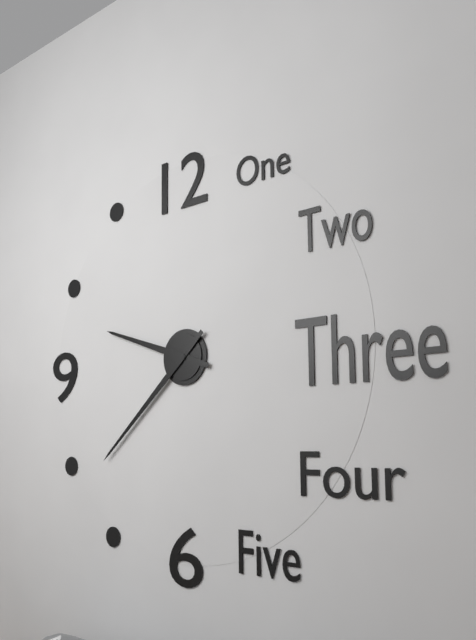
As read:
**9:38**
